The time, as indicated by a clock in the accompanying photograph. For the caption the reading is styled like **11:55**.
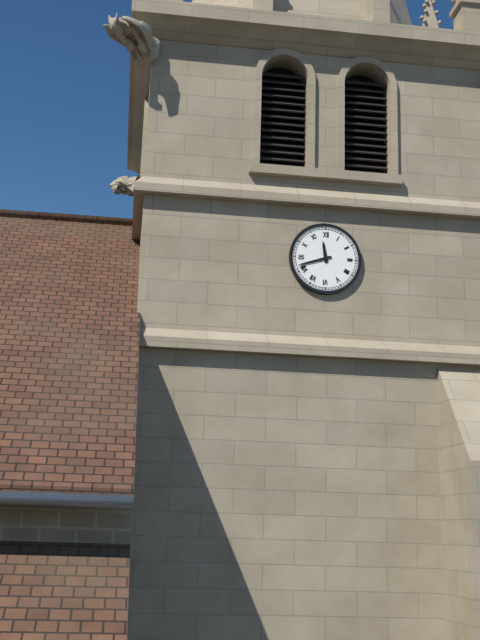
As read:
**11:42**
